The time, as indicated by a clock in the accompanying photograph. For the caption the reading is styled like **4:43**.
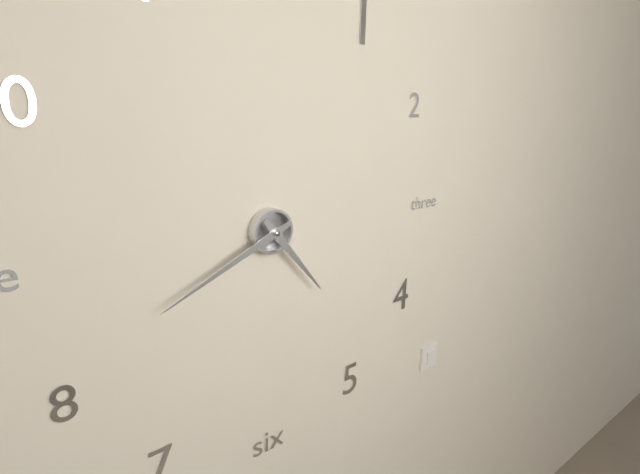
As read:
**4:41**
